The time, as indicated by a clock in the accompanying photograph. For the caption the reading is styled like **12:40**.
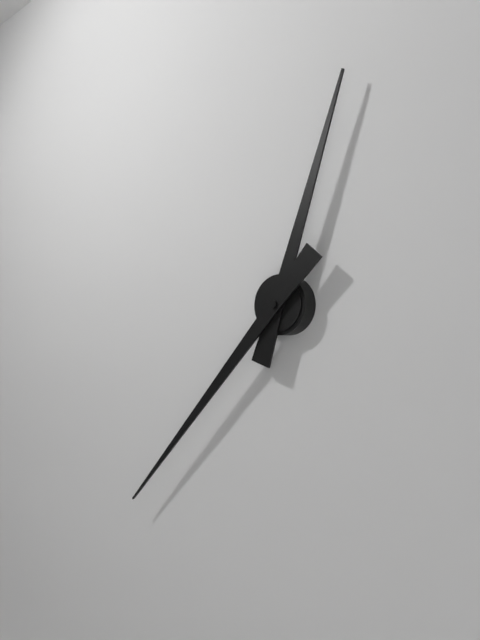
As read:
**12:37**
